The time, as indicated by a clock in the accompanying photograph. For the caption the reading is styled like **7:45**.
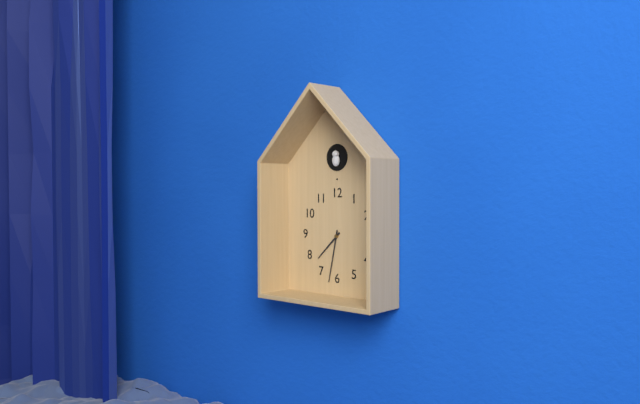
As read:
**7:32**
